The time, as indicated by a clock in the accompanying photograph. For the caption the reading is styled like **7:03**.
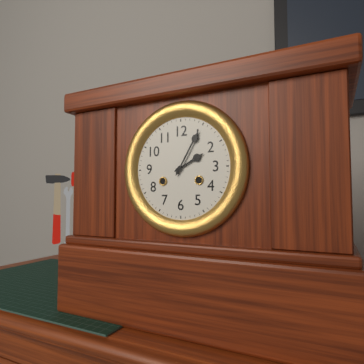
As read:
**2:05**
